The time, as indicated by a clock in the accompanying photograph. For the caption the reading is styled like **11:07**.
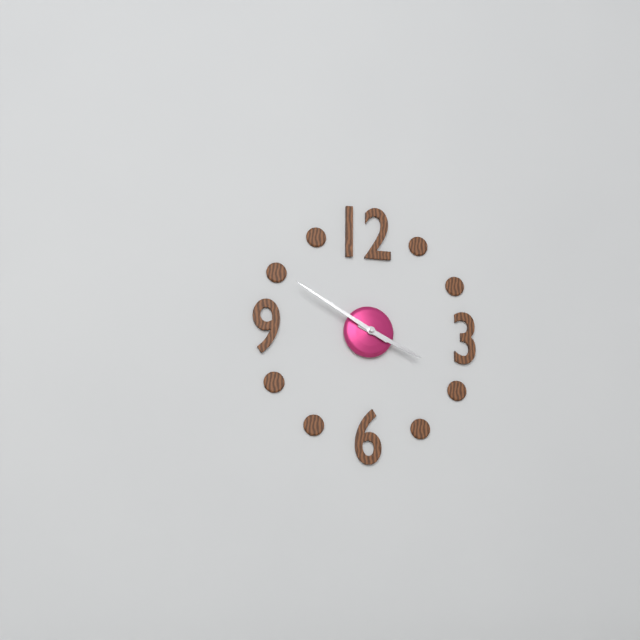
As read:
**3:50**
